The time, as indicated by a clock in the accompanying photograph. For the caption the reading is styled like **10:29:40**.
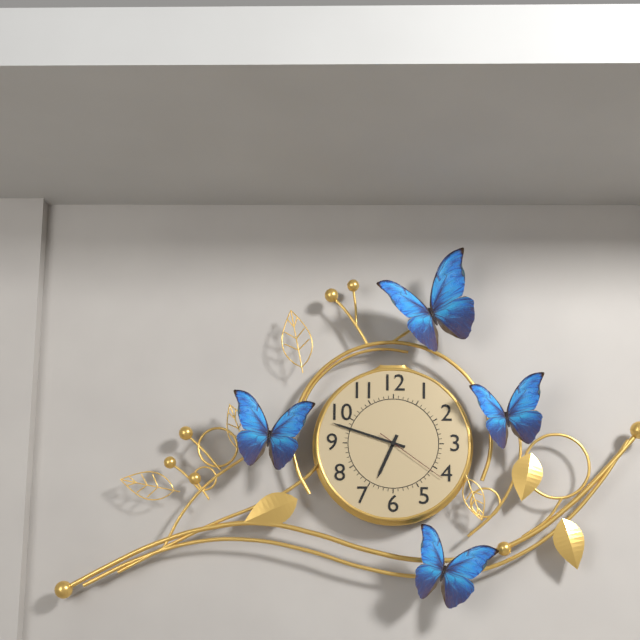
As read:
**6:48:21**
